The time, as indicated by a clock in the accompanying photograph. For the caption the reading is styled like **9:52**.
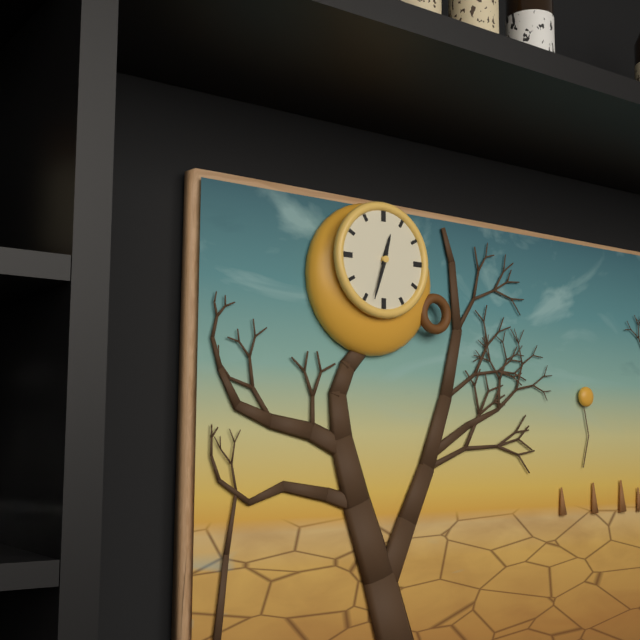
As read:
**12:33**
